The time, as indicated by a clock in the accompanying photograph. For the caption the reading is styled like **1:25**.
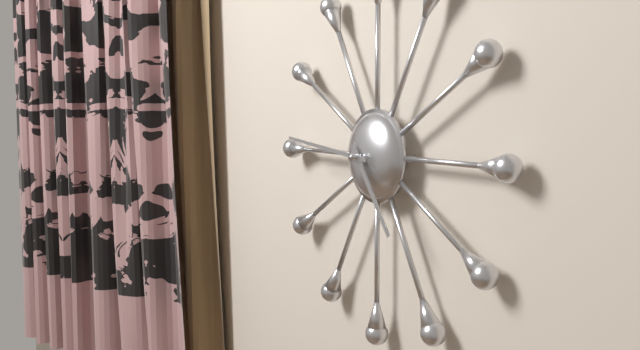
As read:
**4:46**
